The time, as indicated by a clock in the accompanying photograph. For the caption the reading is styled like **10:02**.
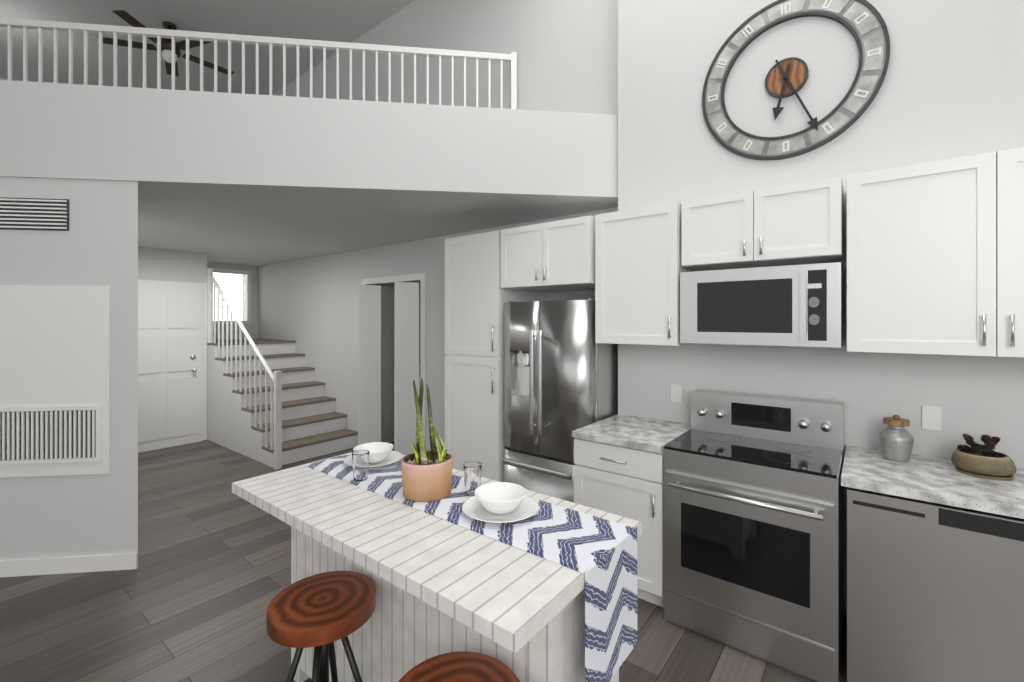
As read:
**6:26**
